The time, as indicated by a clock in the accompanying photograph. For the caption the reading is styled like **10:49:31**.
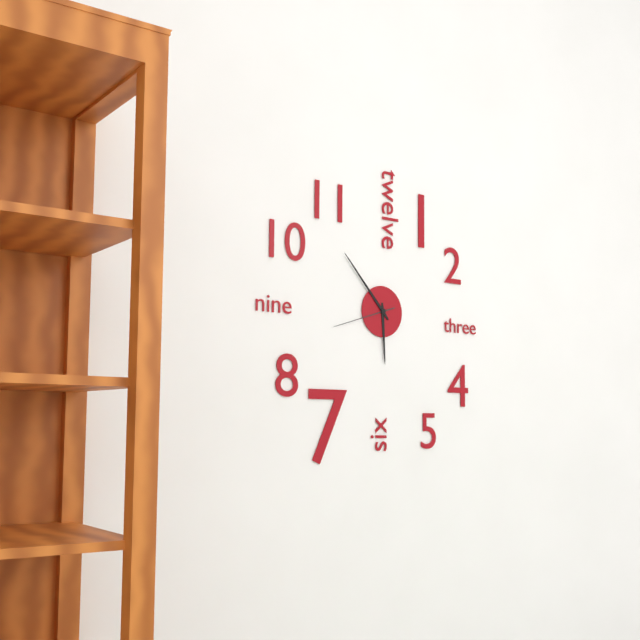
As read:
**5:53:42**
